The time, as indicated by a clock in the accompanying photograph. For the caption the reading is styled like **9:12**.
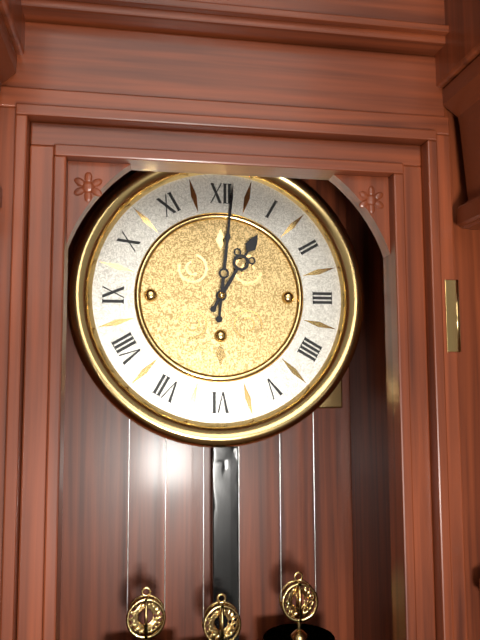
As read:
**1:01**
